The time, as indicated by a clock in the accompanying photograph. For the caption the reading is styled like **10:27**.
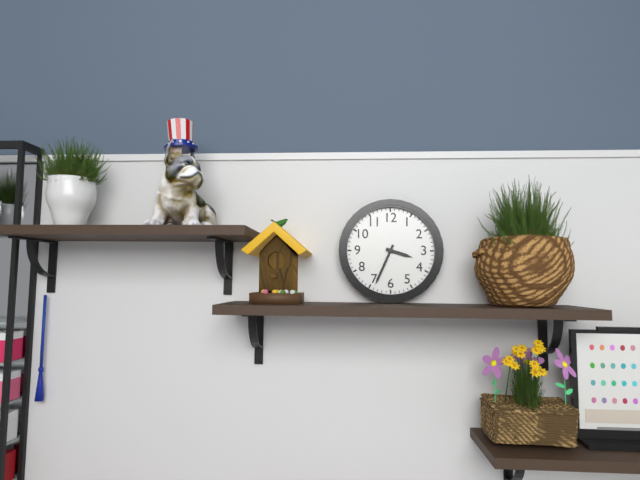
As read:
**3:34**
